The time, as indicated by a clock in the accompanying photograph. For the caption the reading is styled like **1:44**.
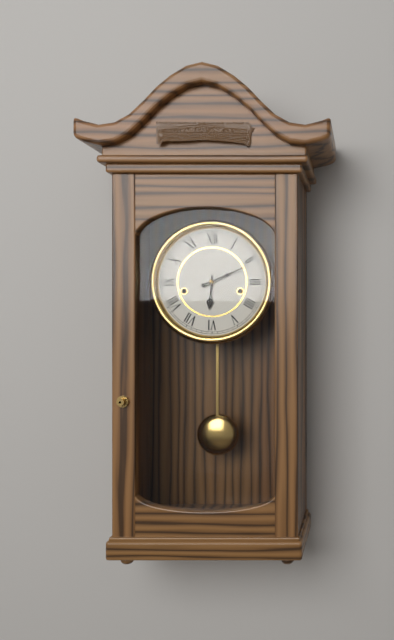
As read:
**6:11**
